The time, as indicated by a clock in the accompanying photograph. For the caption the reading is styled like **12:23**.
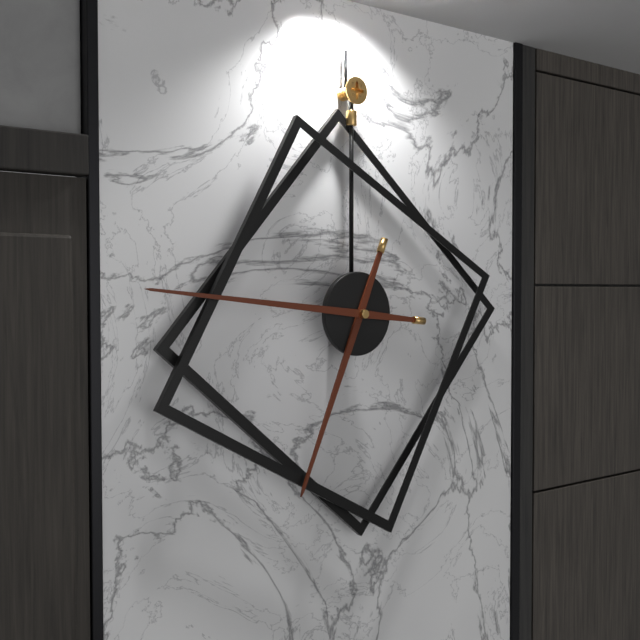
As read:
**6:46**
